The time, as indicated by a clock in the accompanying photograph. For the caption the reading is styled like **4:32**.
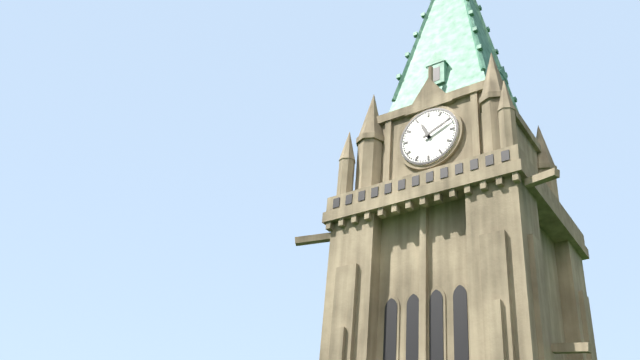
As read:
**11:11**
